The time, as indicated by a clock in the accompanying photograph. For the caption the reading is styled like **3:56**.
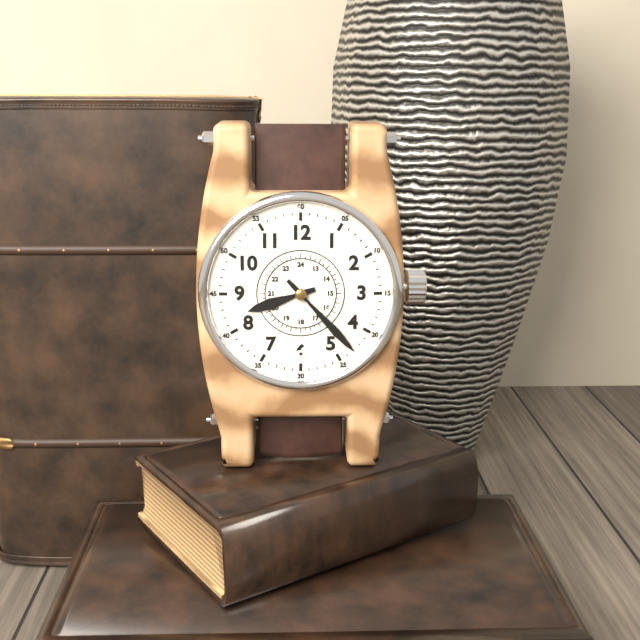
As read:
**8:23**
